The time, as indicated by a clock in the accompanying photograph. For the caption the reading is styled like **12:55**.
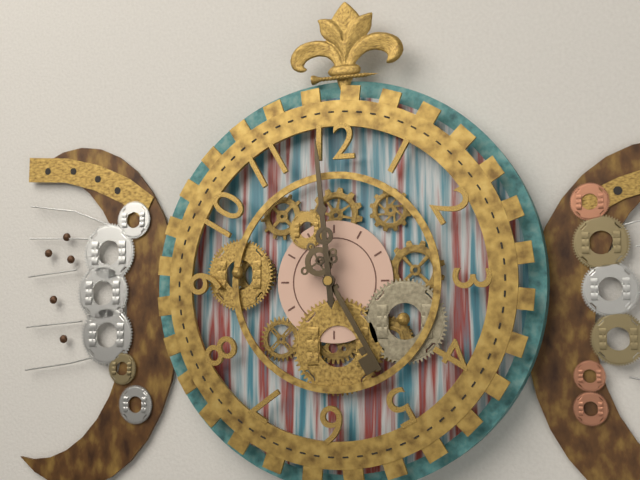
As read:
**4:59**
